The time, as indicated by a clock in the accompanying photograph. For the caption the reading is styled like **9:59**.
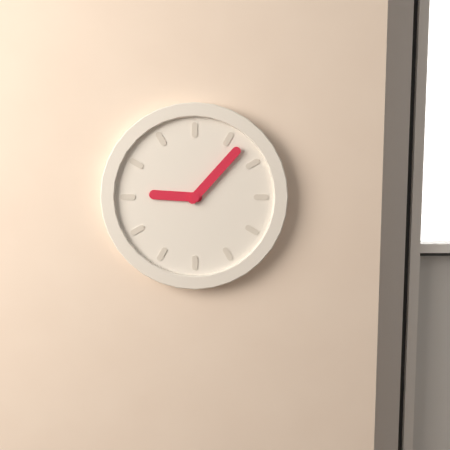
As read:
**9:07**
